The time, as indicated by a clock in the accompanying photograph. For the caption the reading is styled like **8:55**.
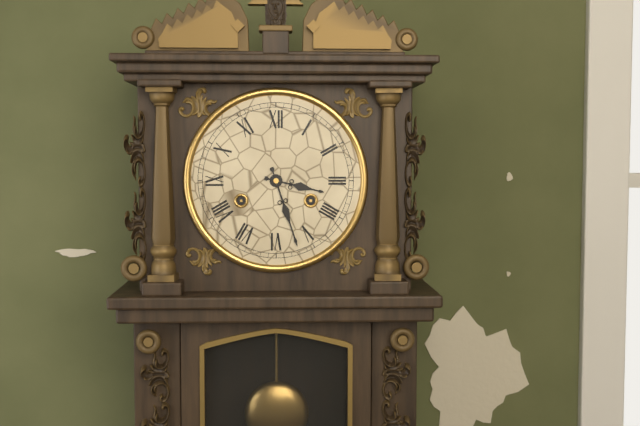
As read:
**3:27**
